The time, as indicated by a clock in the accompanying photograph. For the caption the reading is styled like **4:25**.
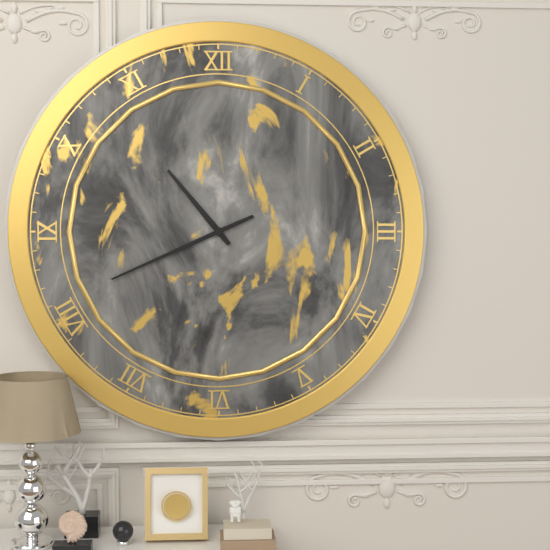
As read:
**10:41**
